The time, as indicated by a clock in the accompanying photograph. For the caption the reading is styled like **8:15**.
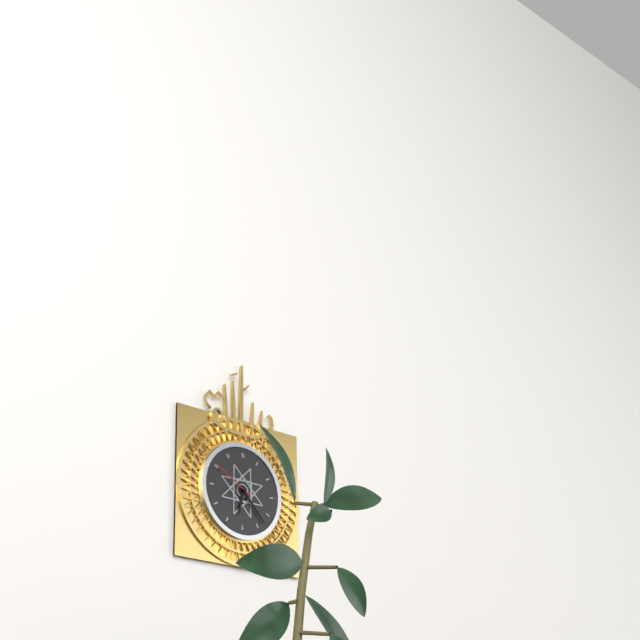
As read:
**6:23**
